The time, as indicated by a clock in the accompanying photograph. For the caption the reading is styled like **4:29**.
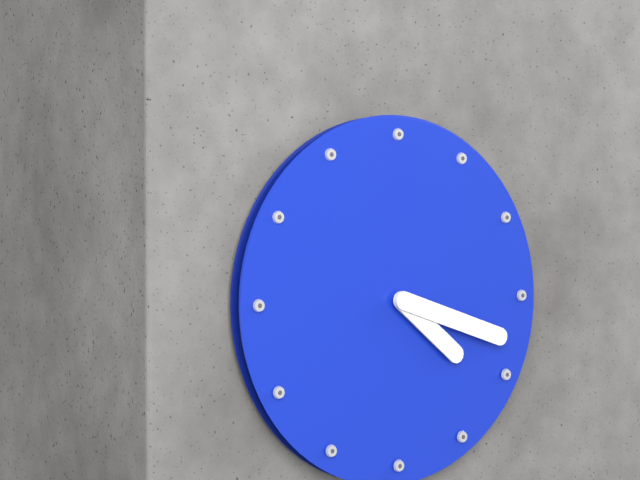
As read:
**4:18**
